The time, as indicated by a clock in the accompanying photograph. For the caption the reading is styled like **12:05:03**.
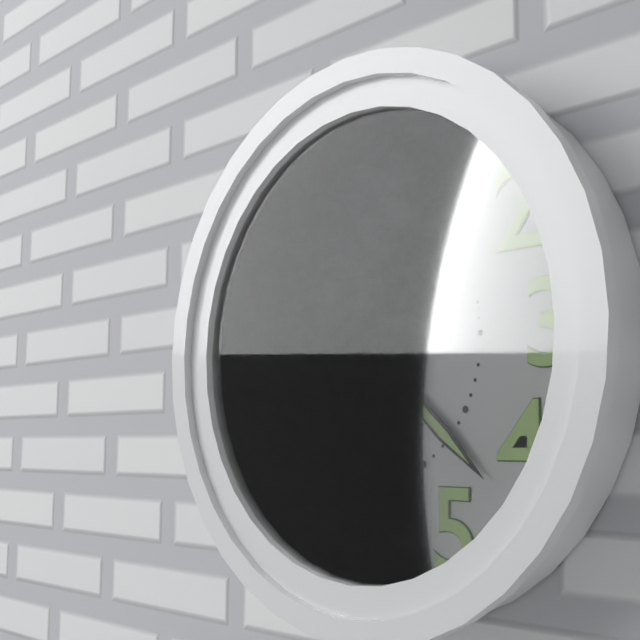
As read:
**11:22:46**
